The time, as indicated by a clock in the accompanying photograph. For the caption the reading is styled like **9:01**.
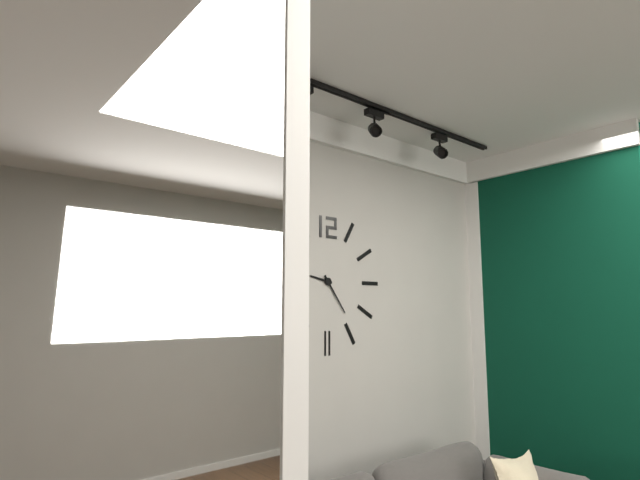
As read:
**9:24**
